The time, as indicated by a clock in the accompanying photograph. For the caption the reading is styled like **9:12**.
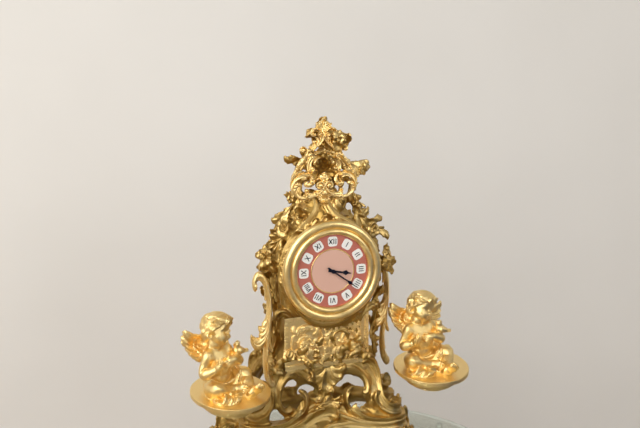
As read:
**3:21**
